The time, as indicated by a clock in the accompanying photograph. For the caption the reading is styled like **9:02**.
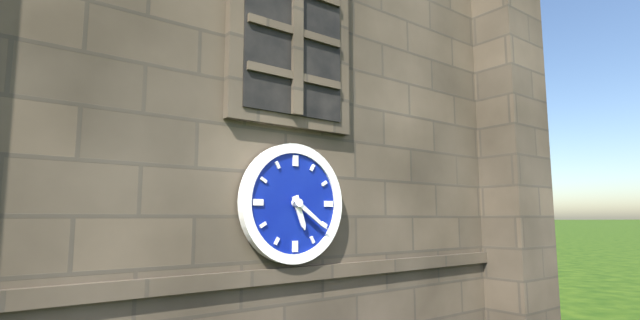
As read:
**5:21**
